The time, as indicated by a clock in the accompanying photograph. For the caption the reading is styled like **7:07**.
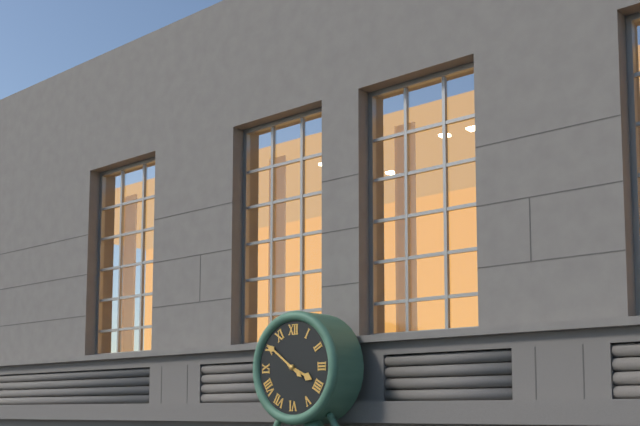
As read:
**3:51**
